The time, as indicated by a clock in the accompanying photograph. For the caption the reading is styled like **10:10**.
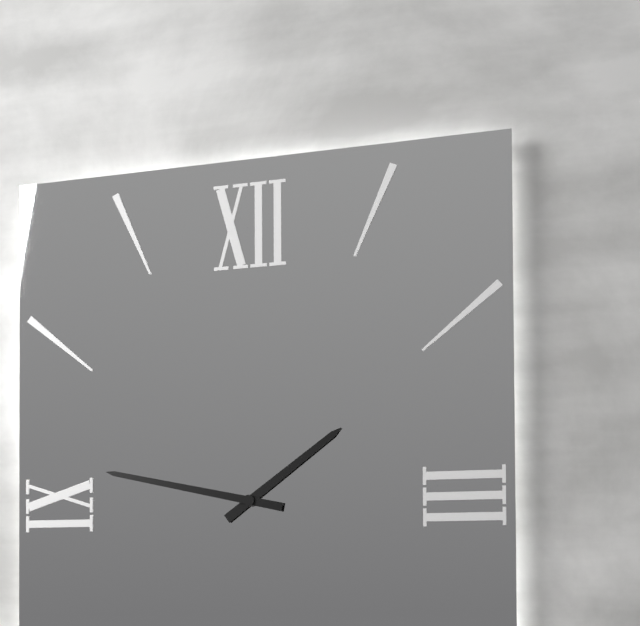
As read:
**1:47**
